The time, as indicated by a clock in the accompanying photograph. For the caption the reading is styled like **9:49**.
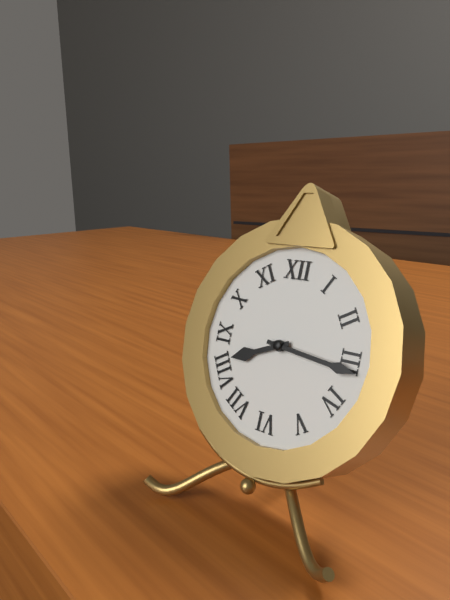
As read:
**8:16**
